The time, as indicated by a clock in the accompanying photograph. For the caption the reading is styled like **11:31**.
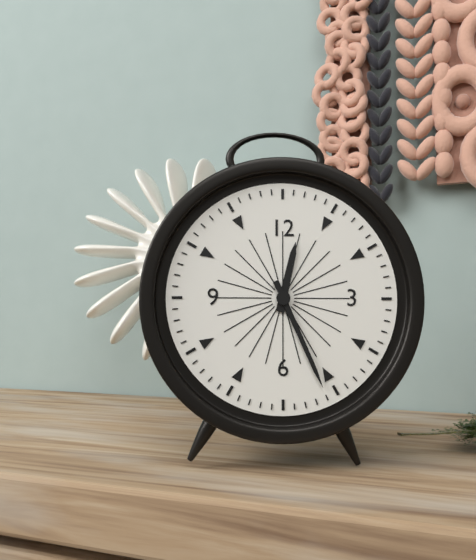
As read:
**12:26**
